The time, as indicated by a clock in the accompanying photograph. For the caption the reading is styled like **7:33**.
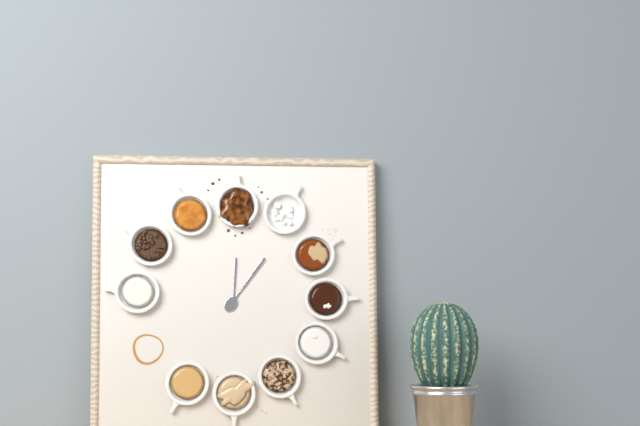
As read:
**12:06**
